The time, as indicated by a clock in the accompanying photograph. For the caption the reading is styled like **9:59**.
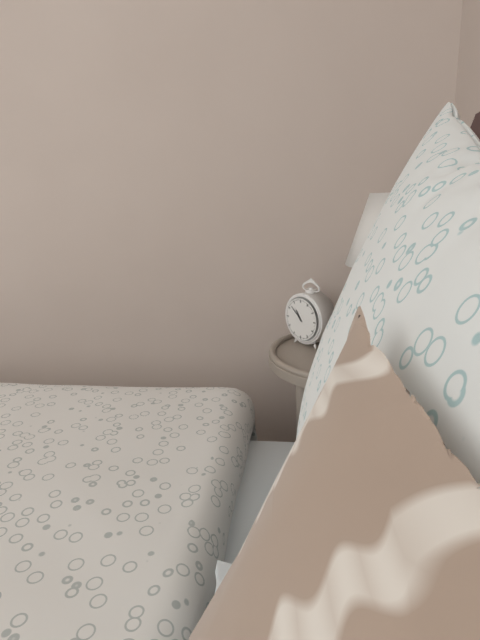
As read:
**10:52**
